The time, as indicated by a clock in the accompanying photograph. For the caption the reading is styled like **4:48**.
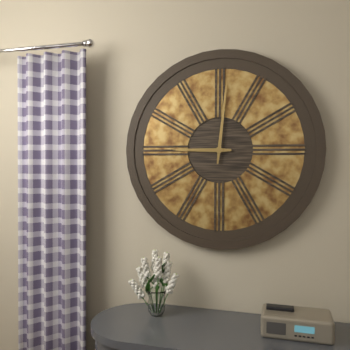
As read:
**9:01**
